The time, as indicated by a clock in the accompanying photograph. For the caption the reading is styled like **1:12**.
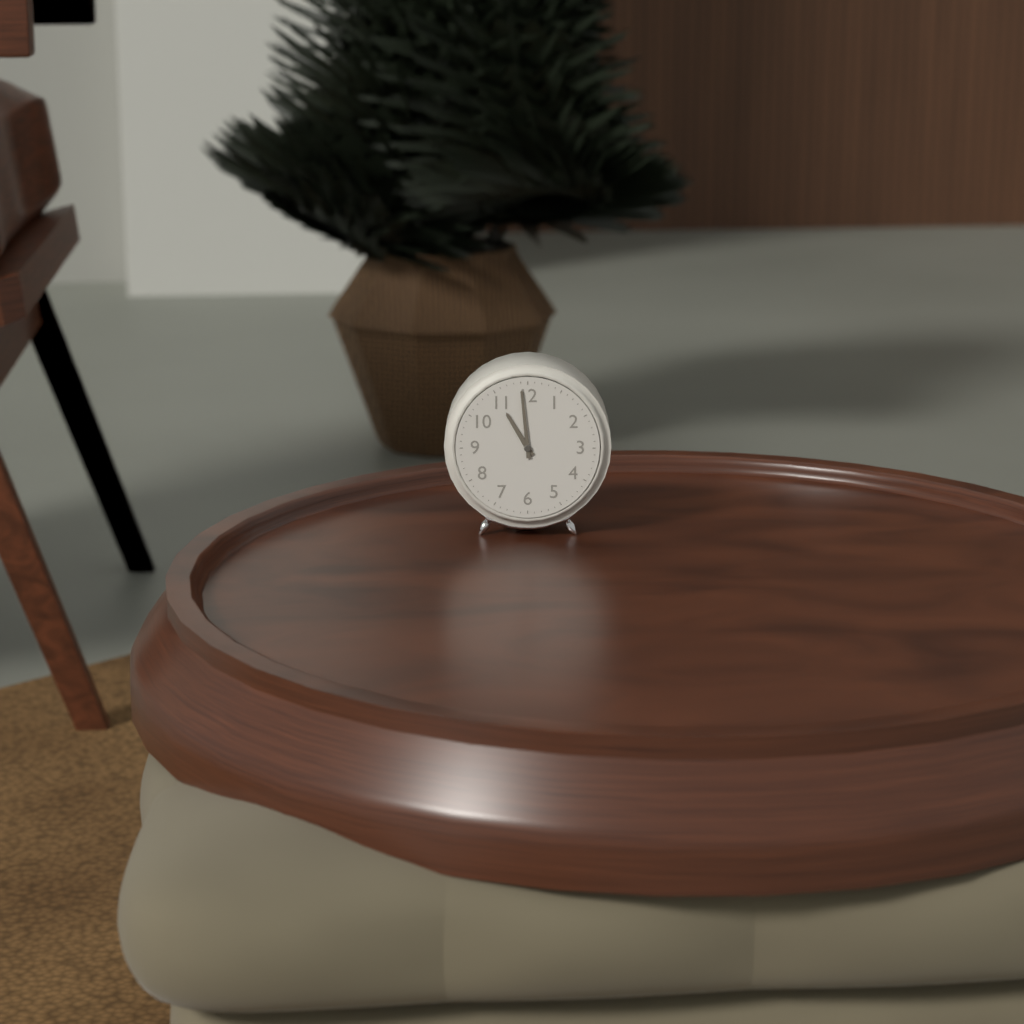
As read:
**10:59**
